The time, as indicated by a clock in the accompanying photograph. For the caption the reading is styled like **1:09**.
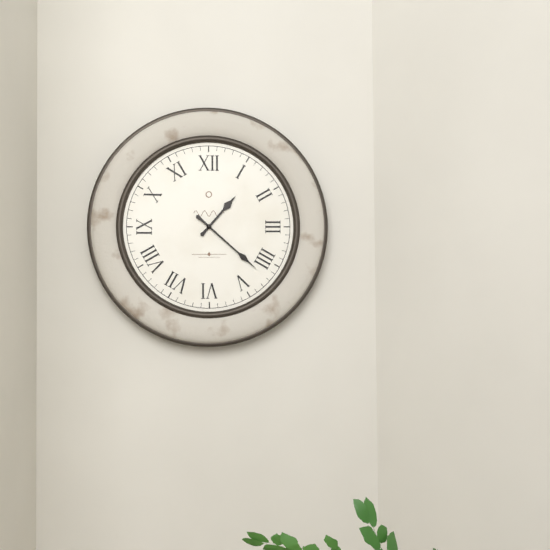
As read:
**1:22**
